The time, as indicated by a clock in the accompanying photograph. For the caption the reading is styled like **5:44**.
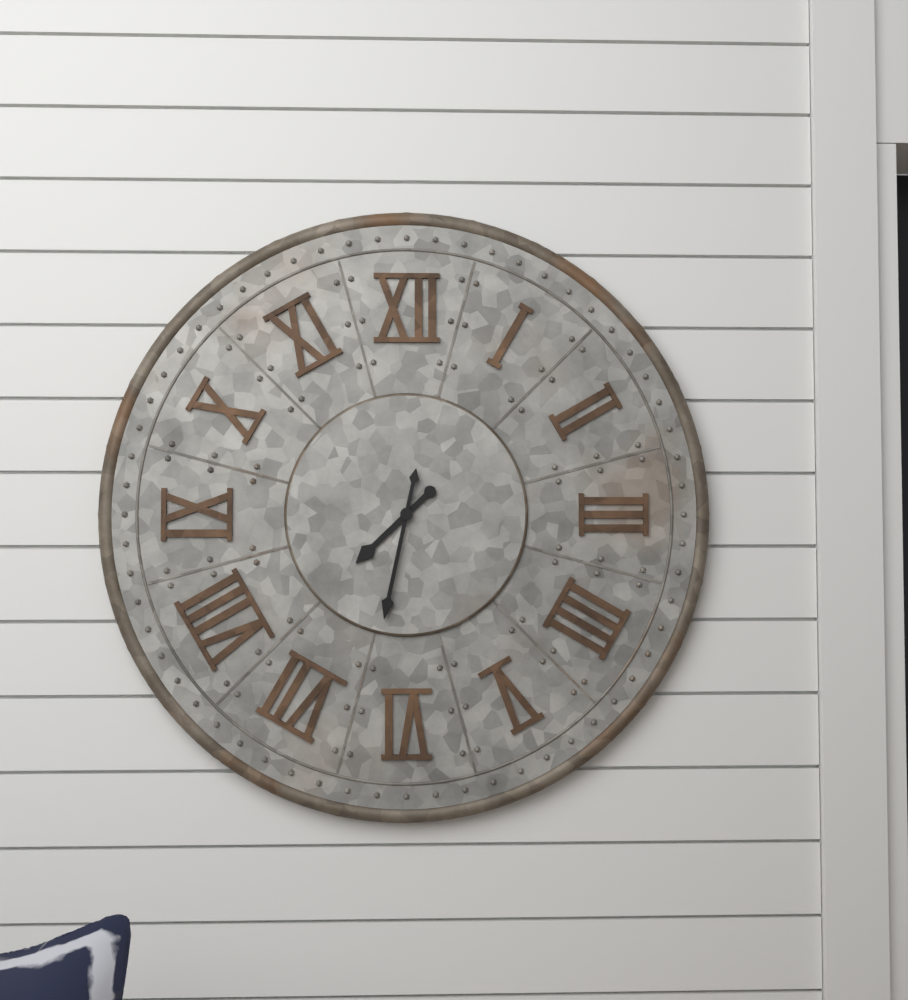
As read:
**7:32**
